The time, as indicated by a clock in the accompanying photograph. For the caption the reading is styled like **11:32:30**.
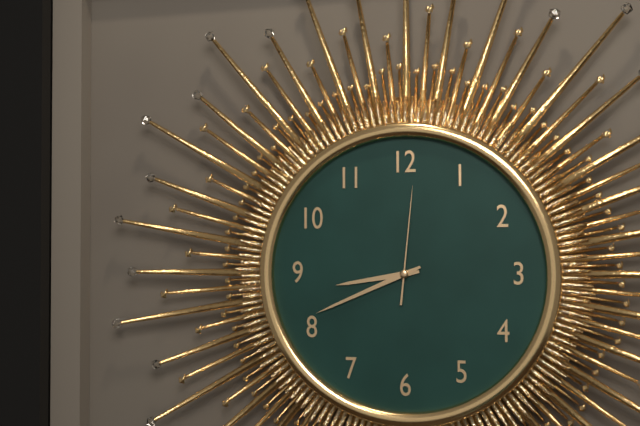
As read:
**8:41:01**
